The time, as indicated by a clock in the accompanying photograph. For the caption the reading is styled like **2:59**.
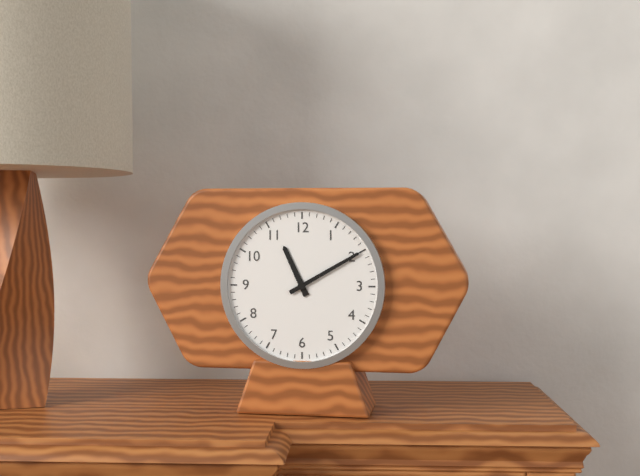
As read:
**11:10**
